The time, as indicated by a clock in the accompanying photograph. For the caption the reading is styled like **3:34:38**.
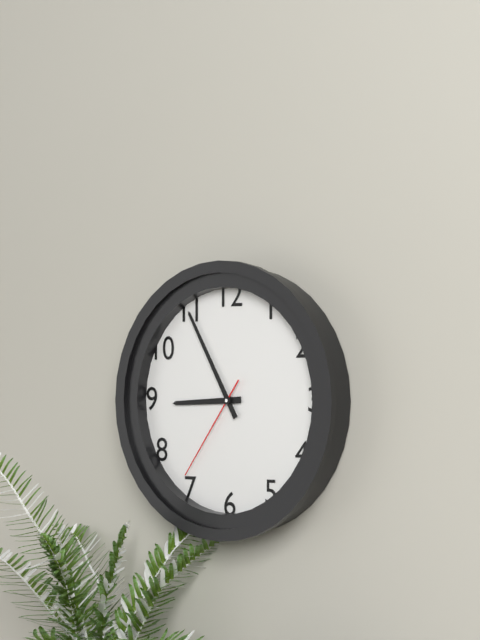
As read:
**8:55:36**
